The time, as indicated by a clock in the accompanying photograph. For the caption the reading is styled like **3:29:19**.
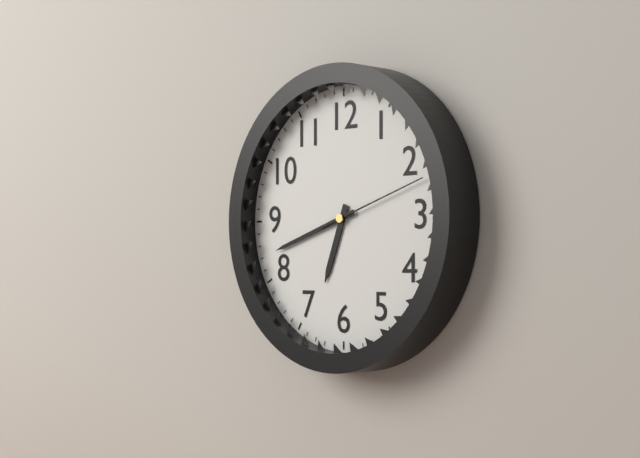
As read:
**6:42:12**
